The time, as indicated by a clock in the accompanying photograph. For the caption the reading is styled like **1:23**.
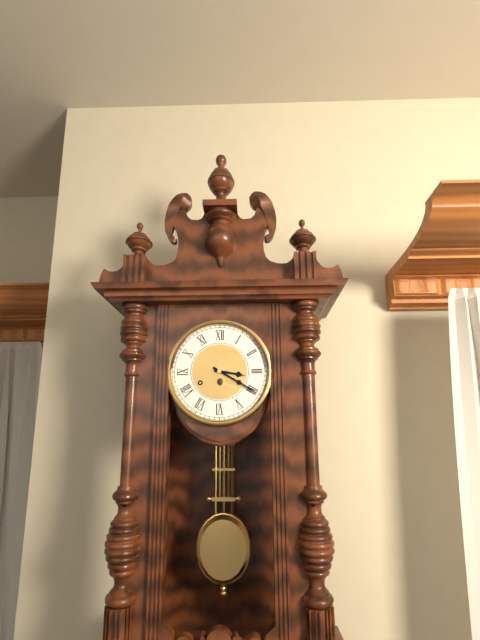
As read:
**3:20**
